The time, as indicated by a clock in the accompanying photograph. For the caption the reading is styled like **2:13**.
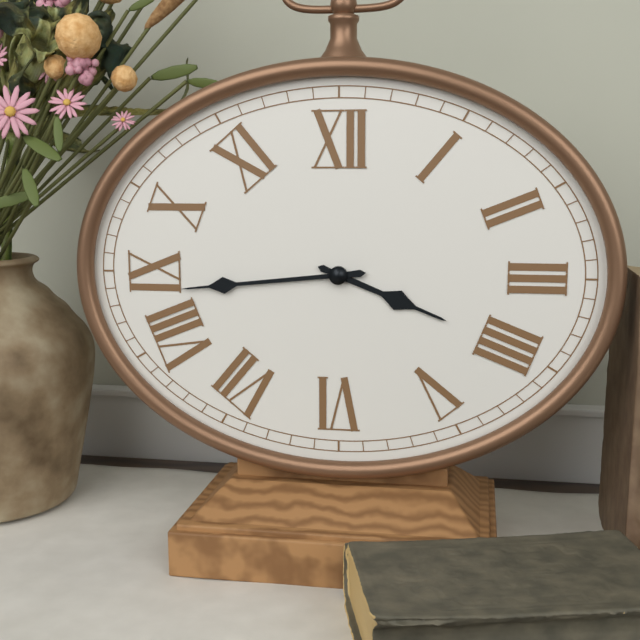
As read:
**3:44**
